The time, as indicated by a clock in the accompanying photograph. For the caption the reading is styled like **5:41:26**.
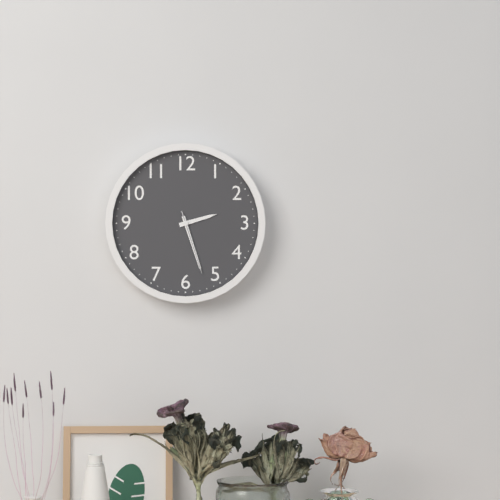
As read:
**2:27:27**
